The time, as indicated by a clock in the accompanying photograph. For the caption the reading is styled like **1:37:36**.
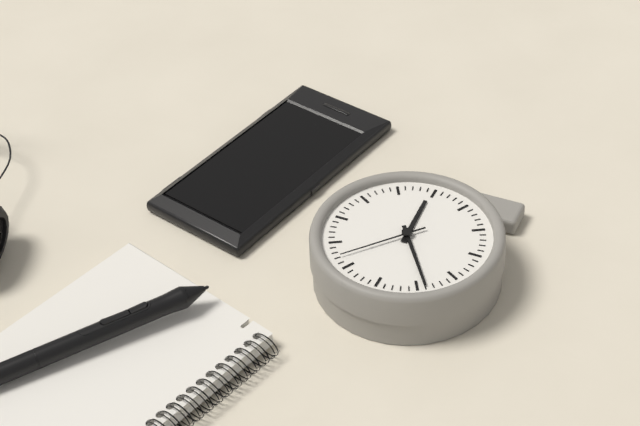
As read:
**5:54:07**
